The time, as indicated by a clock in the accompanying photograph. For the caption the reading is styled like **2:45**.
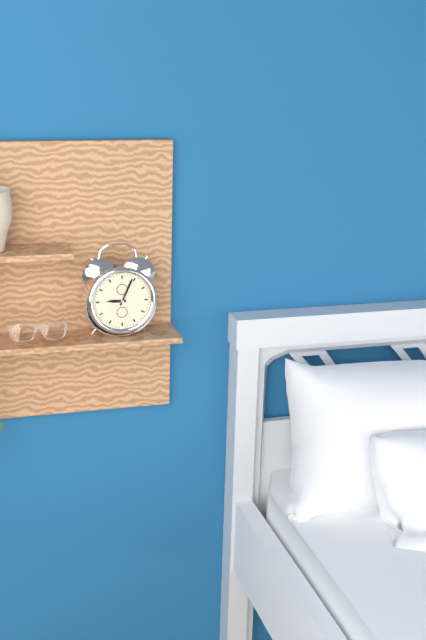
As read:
**9:04**
